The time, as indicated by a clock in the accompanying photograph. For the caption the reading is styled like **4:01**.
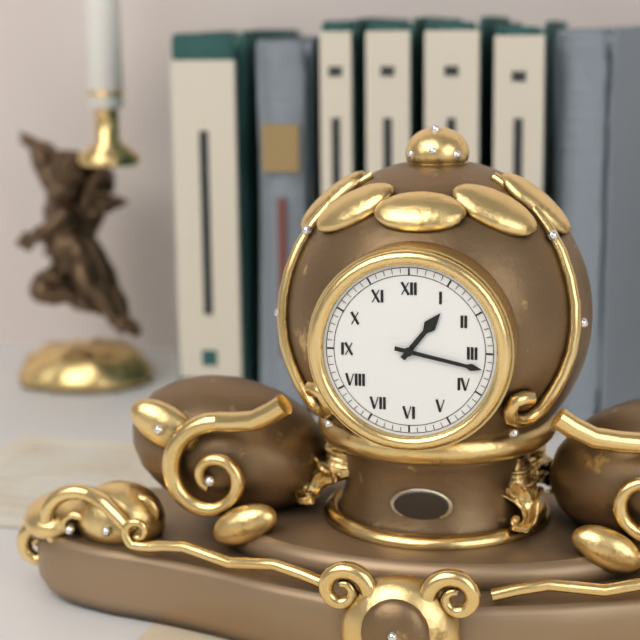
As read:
**1:17**
